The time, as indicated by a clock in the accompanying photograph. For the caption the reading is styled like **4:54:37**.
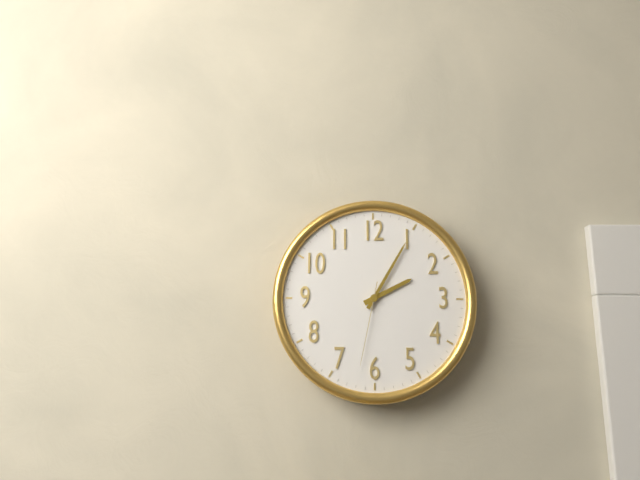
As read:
**2:05:32**
